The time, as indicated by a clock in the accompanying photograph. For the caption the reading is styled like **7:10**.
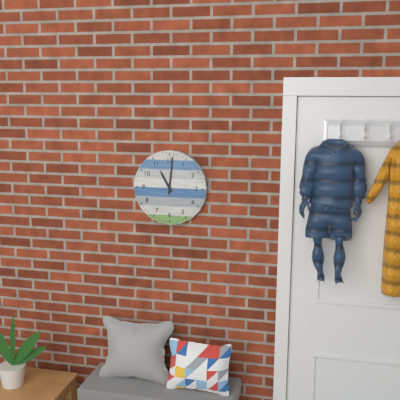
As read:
**11:01**
